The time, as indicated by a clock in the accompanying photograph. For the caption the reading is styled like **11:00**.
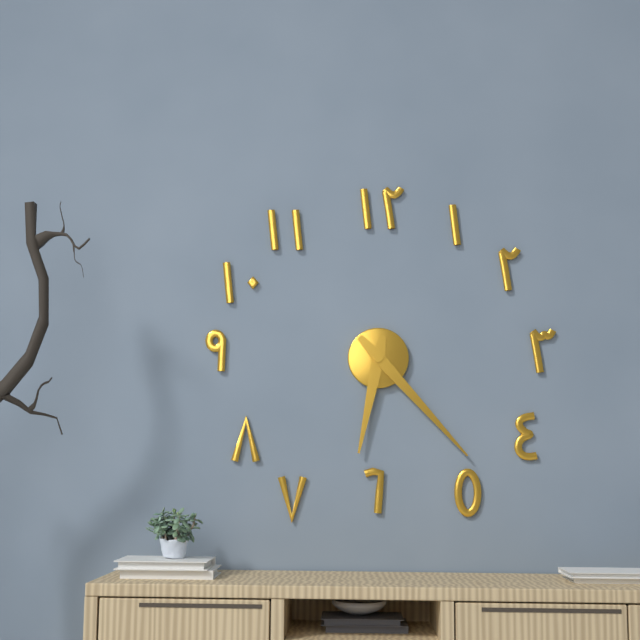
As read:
**6:23**
